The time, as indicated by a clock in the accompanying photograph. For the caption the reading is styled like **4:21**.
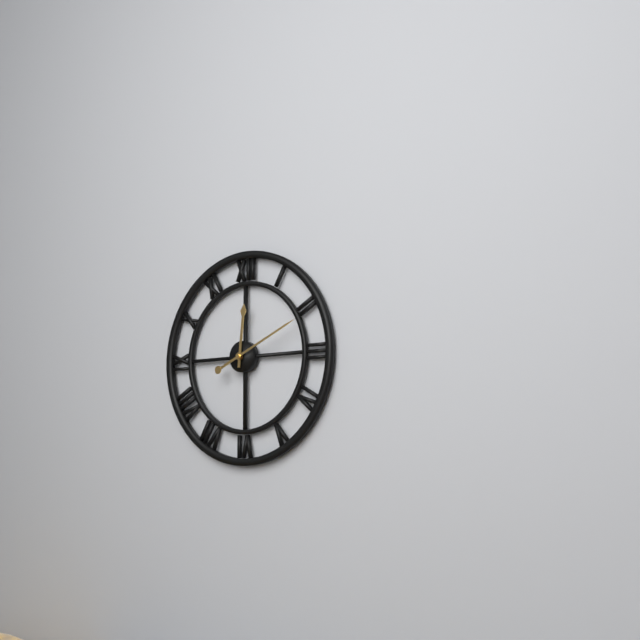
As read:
**12:11**
